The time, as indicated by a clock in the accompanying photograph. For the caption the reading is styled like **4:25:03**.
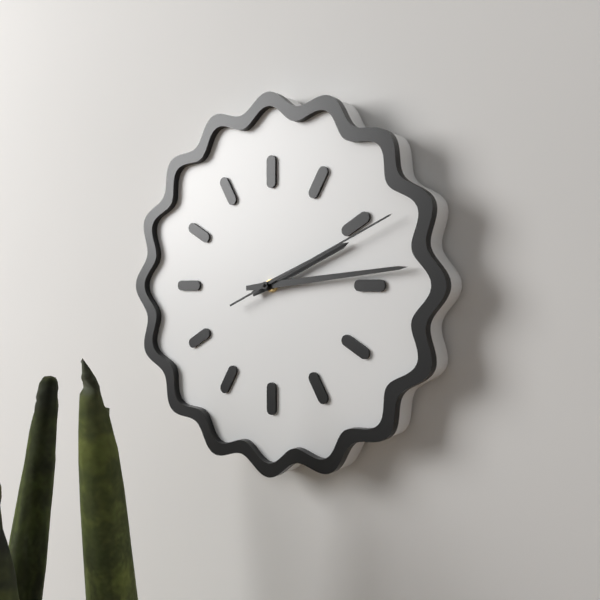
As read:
**2:14:11**
